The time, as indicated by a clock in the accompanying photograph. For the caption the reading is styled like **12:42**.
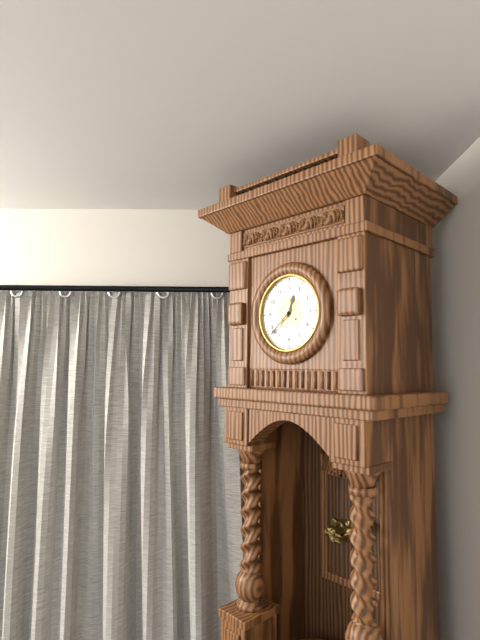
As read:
**12:38**
